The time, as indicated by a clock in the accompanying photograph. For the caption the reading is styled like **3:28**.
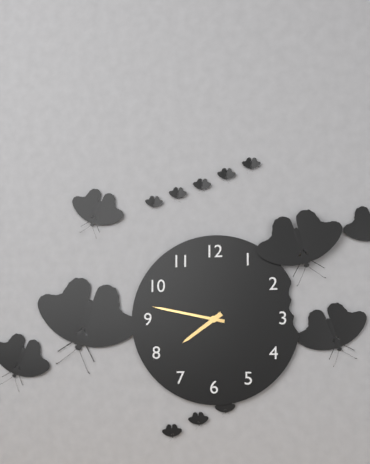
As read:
**7:47**
